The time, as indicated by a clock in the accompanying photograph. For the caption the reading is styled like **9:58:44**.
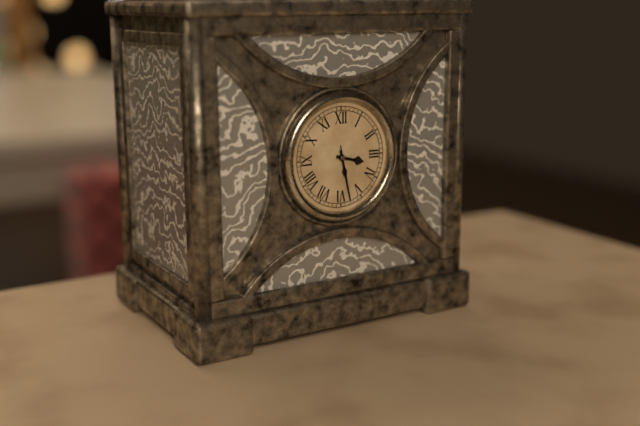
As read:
**3:28:28**
